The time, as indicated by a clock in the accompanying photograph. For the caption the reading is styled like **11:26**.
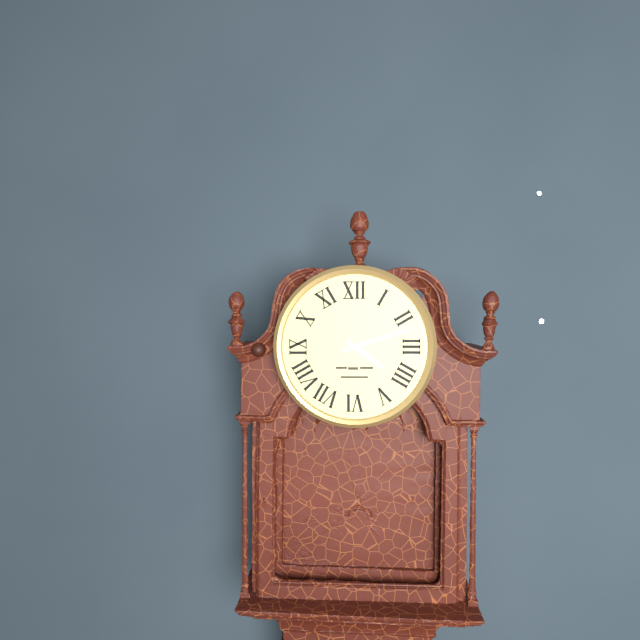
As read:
**4:12**
